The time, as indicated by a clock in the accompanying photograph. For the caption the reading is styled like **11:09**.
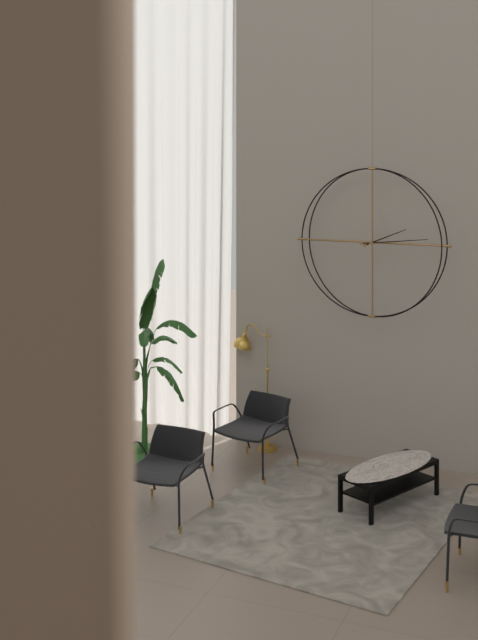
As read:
**2:14**
